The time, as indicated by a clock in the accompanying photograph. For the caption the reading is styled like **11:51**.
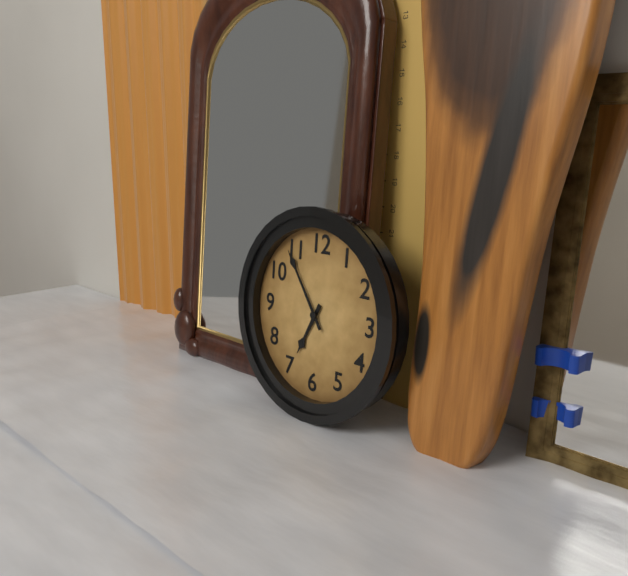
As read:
**6:54**
